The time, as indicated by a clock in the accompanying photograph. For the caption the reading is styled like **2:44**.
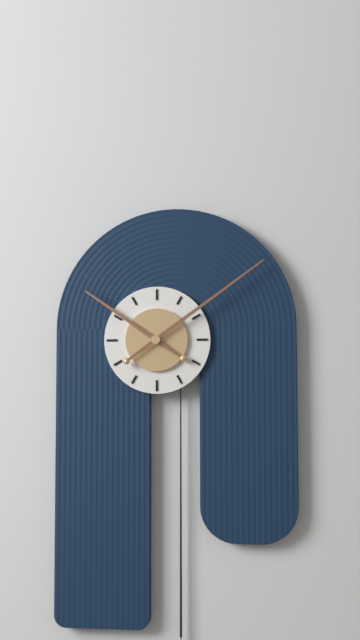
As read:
**10:09**
